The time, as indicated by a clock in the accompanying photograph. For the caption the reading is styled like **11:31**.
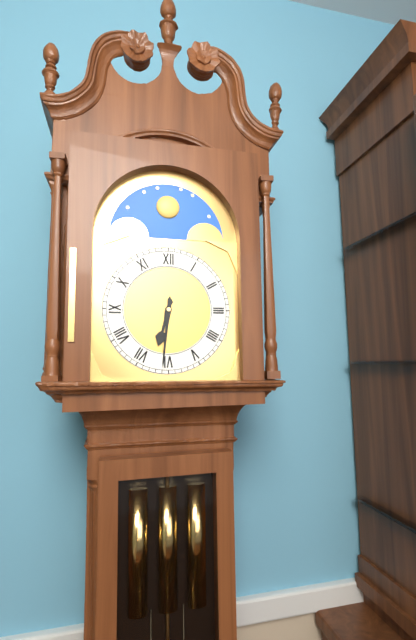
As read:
**6:31**
